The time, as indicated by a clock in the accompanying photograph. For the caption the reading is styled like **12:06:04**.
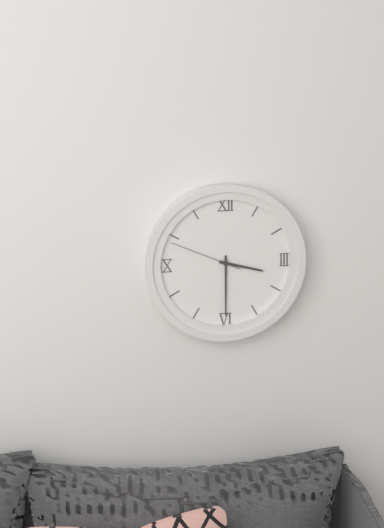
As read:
**3:30:49**
